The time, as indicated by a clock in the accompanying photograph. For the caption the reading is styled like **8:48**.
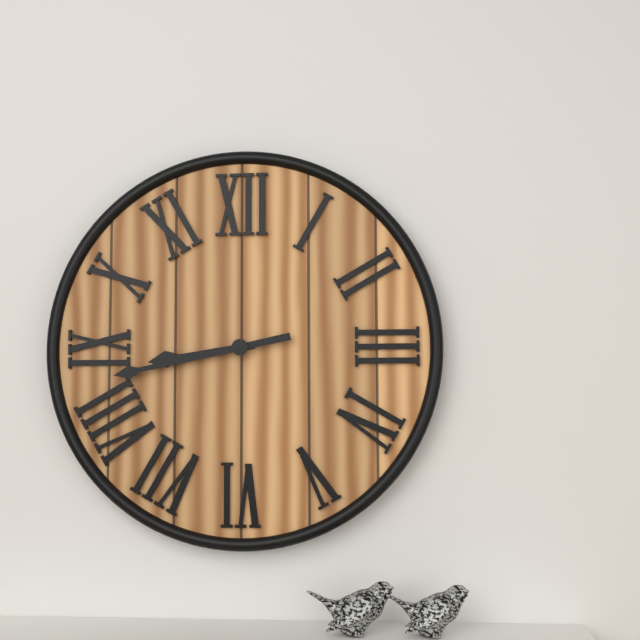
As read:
**8:43**
